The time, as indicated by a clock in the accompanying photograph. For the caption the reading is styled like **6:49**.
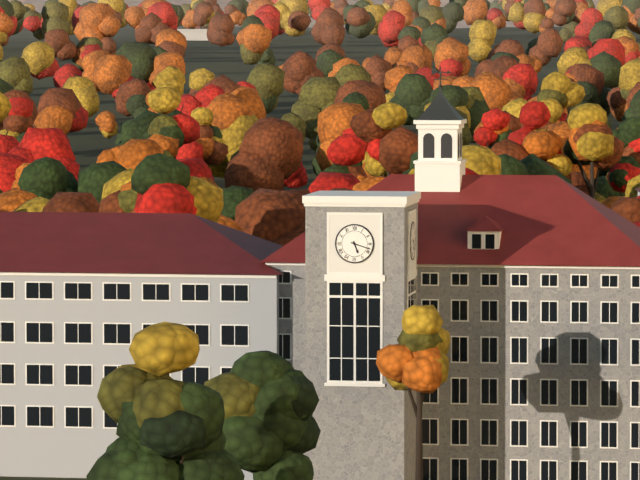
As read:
**5:18**
